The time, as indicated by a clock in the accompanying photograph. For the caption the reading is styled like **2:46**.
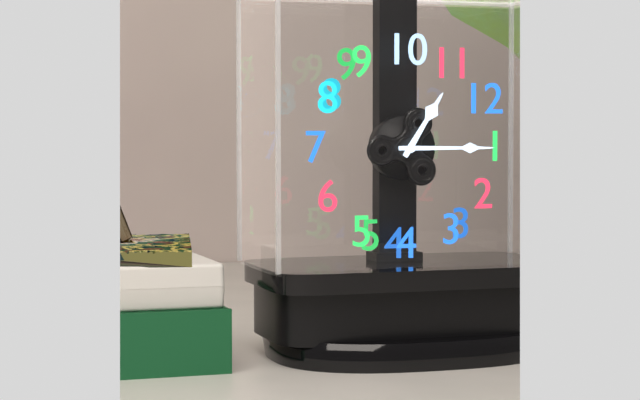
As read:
**11:05**
